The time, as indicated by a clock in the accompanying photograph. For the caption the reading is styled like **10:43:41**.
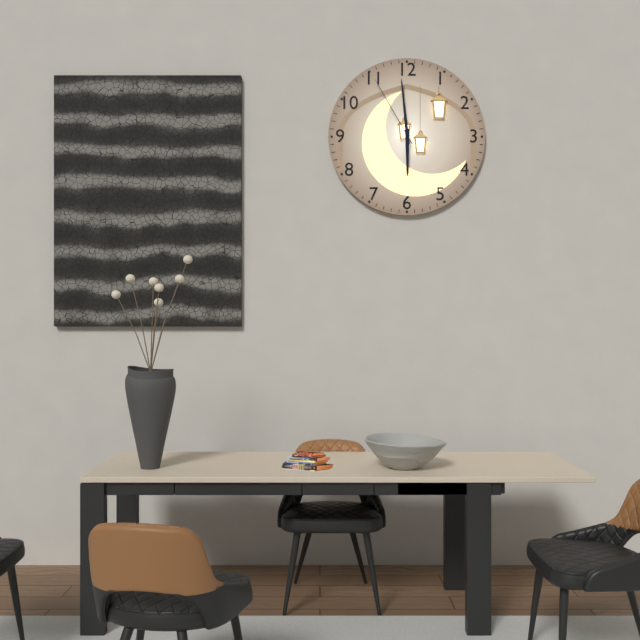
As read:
**5:59:55**
